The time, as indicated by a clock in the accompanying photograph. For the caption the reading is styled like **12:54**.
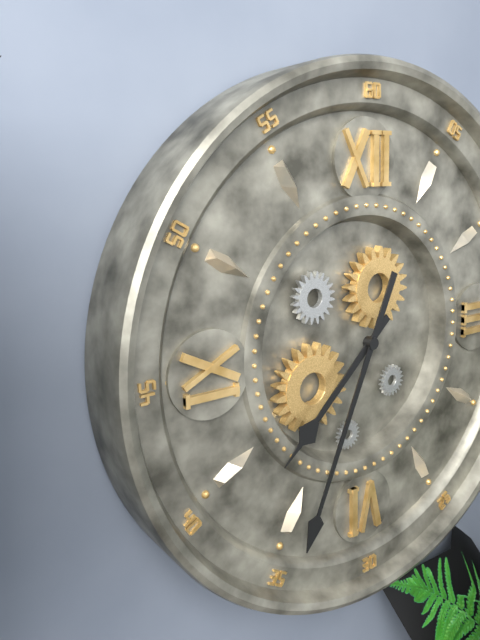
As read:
**7:34**
